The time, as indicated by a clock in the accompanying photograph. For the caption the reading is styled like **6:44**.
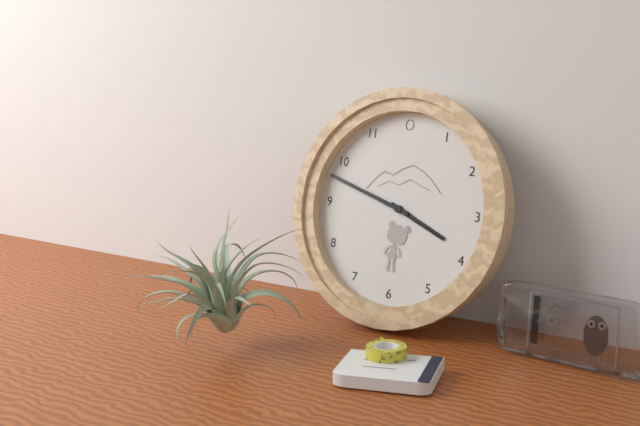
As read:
**3:48**
